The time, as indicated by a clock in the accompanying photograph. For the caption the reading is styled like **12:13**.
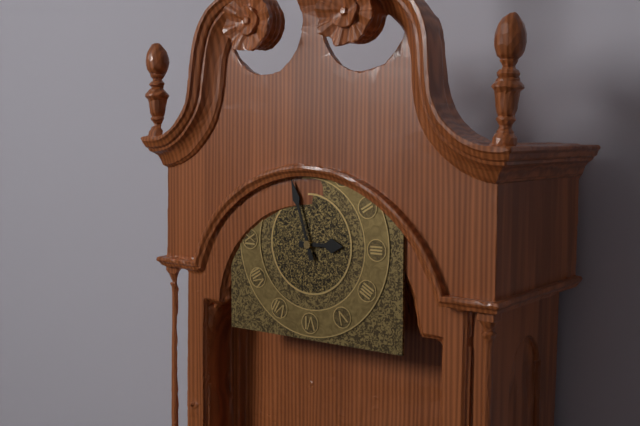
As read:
**2:57**
